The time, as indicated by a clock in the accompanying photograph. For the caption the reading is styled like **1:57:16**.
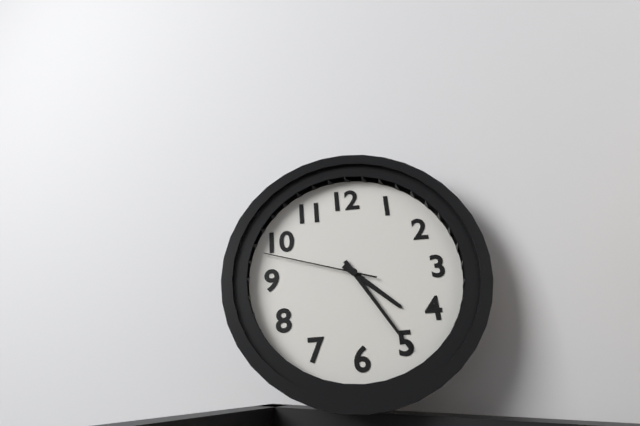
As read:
**4:25:48**
